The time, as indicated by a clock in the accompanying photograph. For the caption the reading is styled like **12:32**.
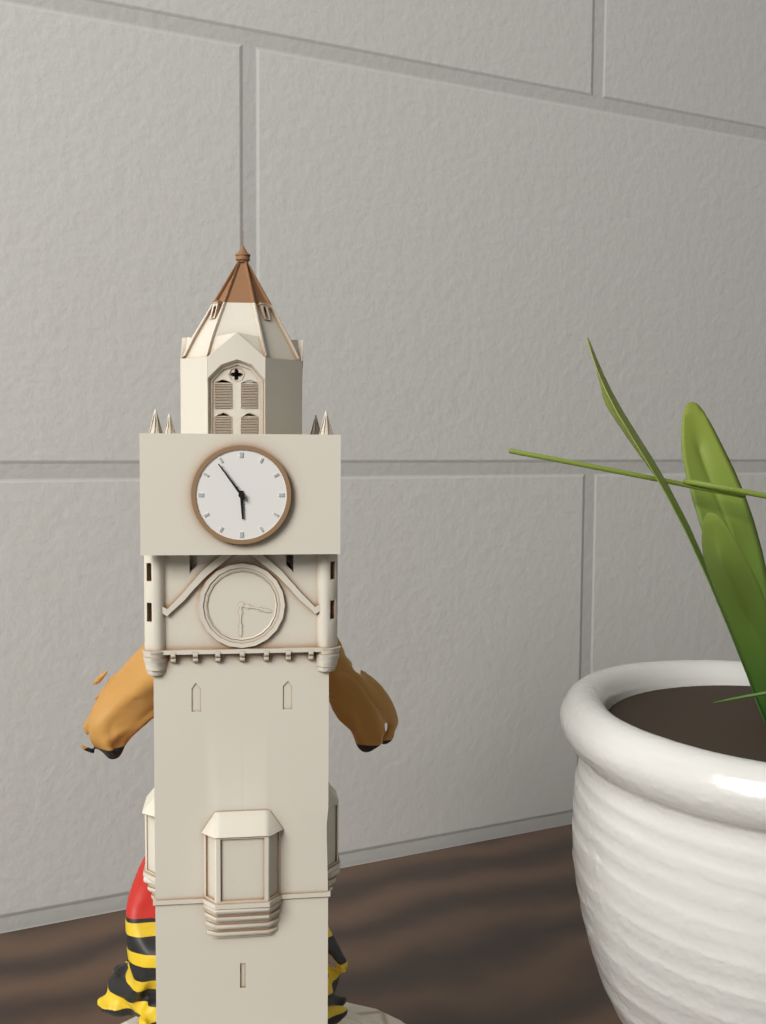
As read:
**5:54**
